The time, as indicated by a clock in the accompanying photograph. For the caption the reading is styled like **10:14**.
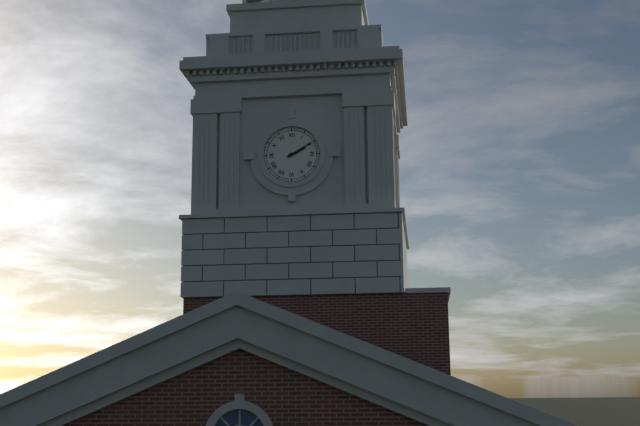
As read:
**2:10**
